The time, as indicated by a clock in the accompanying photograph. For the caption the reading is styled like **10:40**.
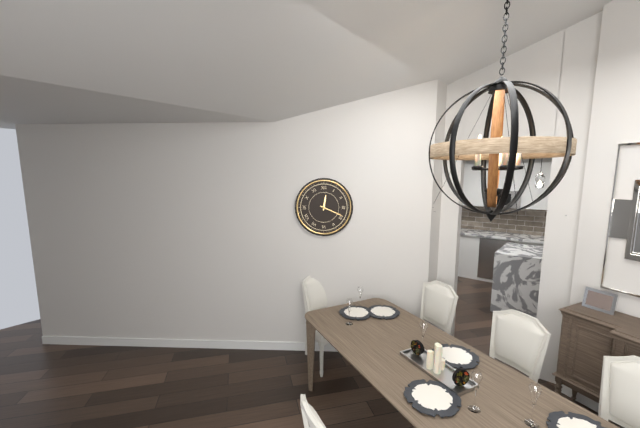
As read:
**12:19**
